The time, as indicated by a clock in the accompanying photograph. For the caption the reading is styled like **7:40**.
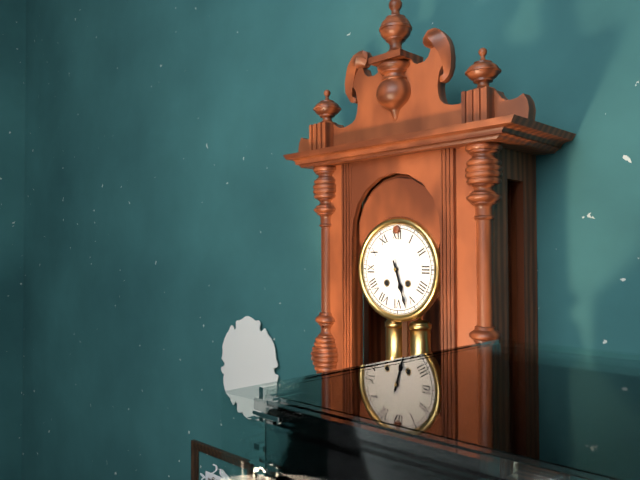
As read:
**5:27**
